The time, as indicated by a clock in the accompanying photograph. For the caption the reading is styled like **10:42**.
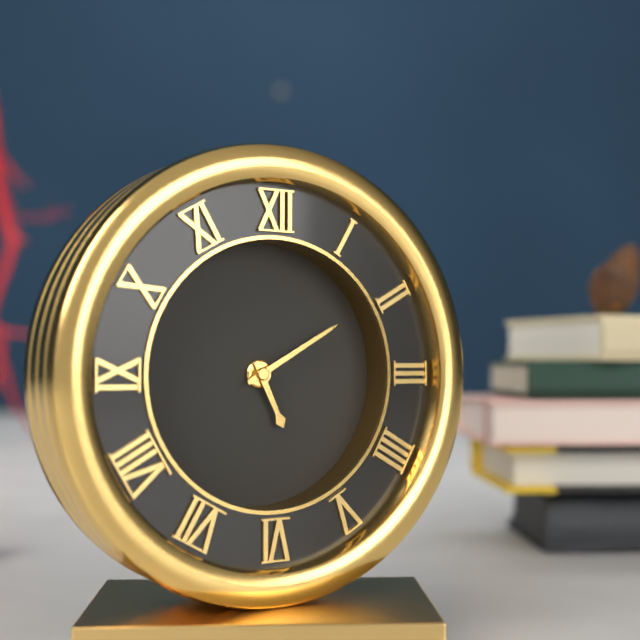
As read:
**5:10**
